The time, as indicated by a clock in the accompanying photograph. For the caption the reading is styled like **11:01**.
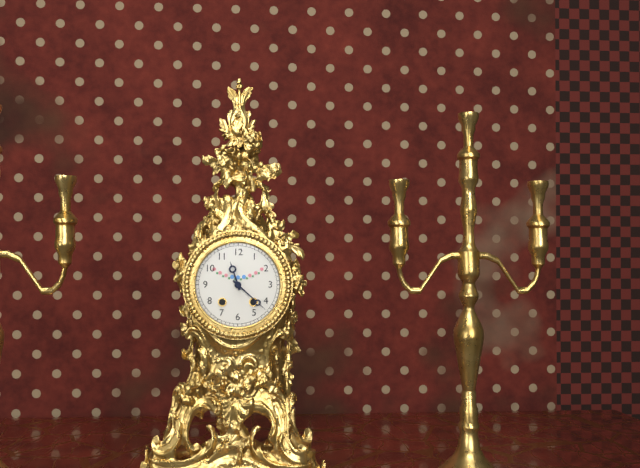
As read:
**11:22**
